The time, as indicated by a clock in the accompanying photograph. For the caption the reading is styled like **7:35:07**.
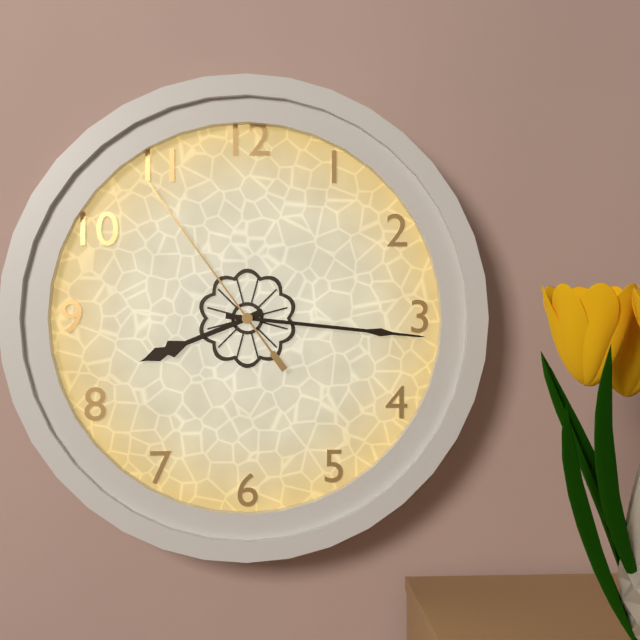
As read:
**8:16:54**
